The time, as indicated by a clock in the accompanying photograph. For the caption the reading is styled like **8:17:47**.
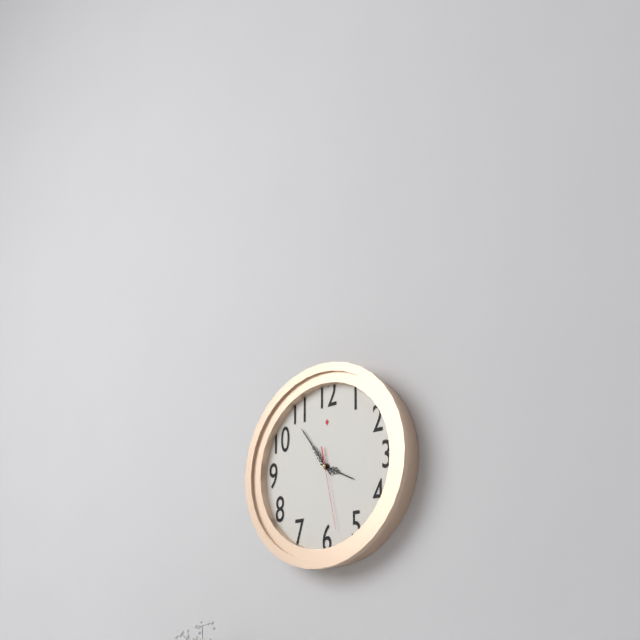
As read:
**3:54:28**
